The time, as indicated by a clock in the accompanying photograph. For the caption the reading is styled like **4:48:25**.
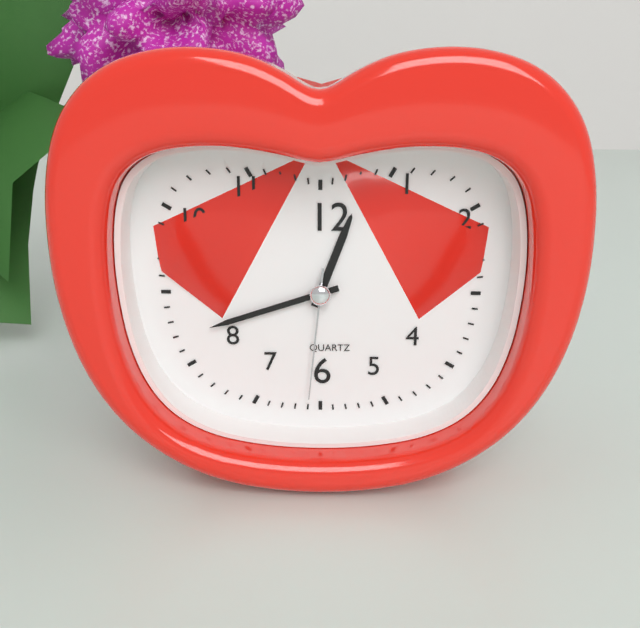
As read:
**12:42:31**
